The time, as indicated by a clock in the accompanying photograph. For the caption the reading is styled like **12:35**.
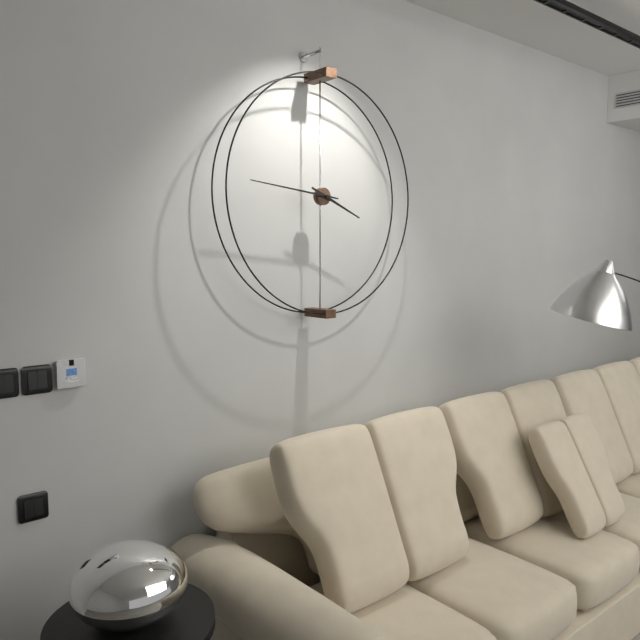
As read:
**3:46**
